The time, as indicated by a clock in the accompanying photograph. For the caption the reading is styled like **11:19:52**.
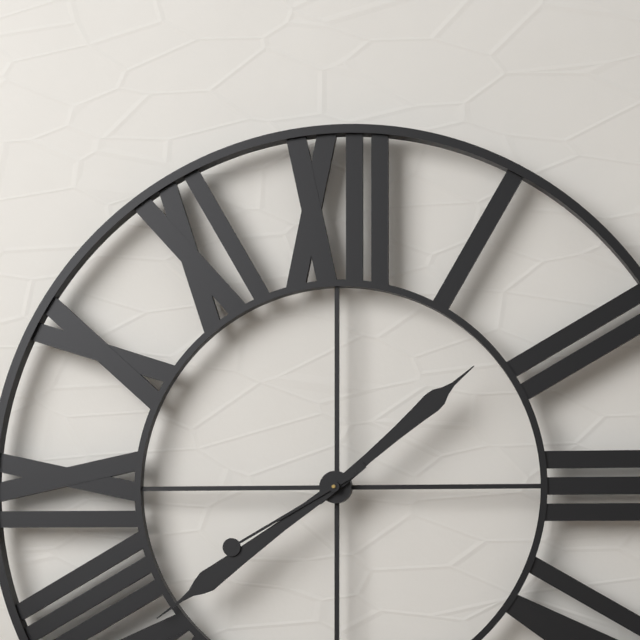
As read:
**1:39:40**
